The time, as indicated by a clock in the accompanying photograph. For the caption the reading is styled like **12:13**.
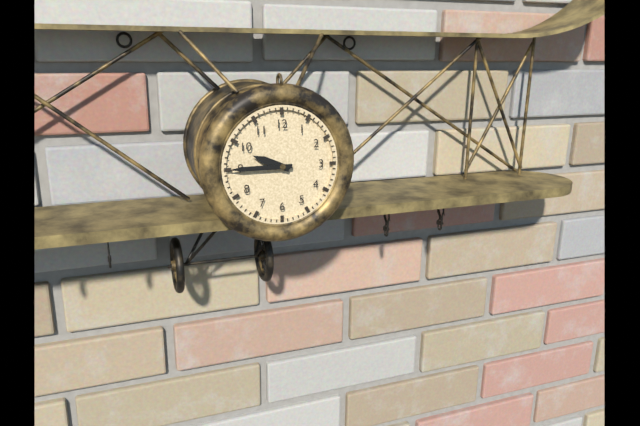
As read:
**9:45**
